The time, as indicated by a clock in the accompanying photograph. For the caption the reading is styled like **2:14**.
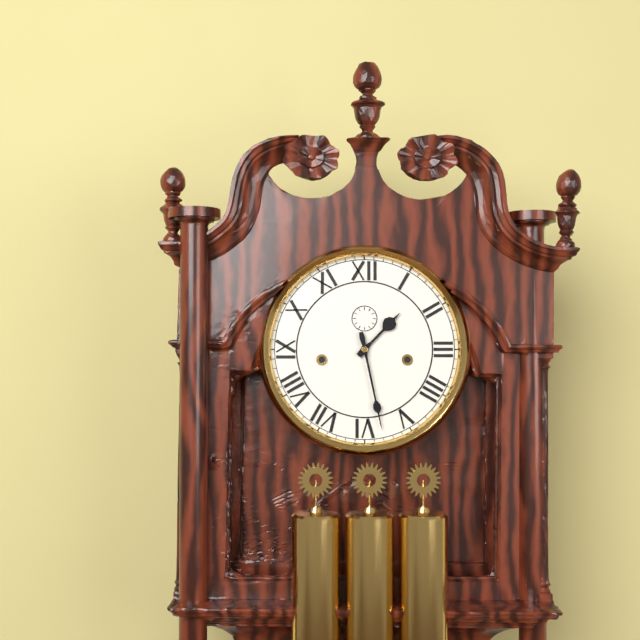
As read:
**1:28**
